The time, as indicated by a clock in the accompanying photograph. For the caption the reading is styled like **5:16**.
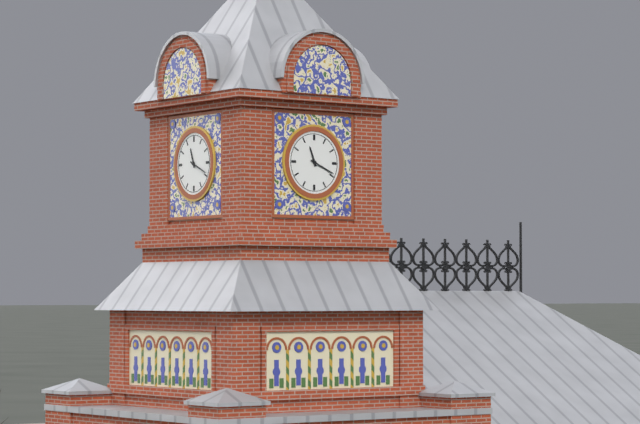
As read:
**11:19**
